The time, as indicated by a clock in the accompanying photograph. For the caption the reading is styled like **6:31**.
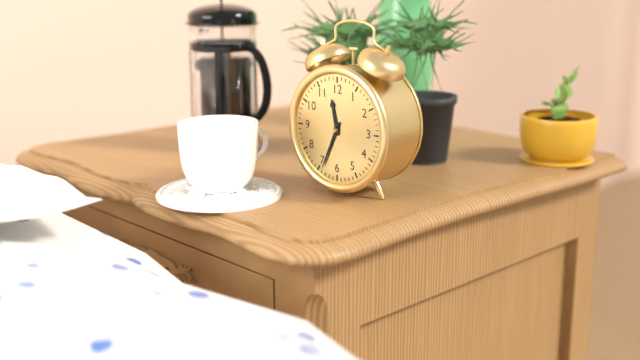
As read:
**11:34**
